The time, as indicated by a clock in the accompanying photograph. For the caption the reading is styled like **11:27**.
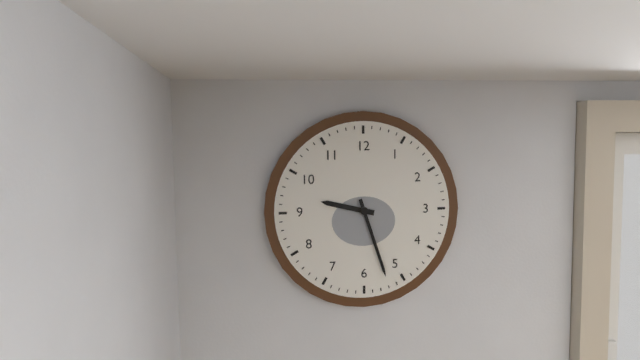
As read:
**9:27**
